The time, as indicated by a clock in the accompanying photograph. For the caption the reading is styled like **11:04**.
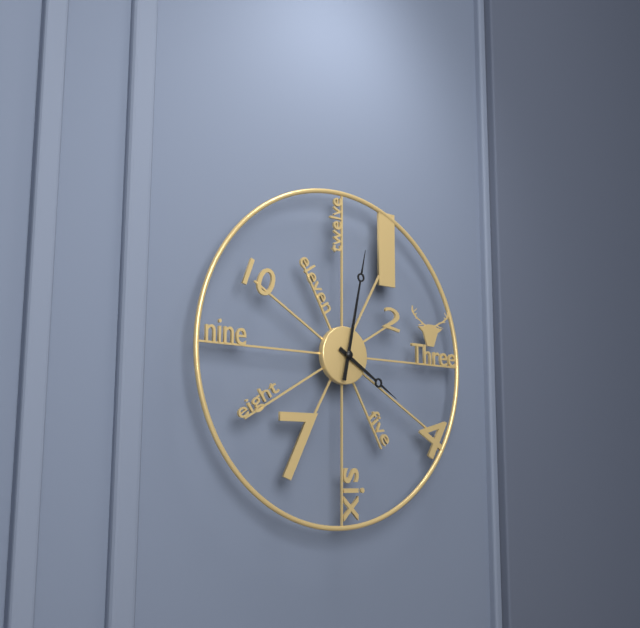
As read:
**4:02**
